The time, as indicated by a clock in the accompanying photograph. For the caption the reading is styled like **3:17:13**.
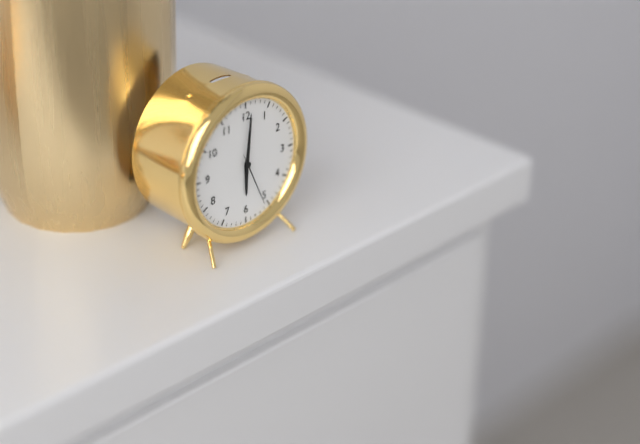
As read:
**6:01:26**
